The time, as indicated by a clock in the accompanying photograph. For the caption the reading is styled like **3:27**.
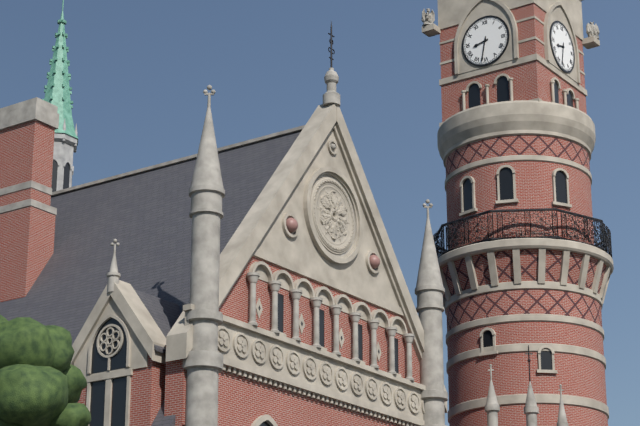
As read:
**8:32**
